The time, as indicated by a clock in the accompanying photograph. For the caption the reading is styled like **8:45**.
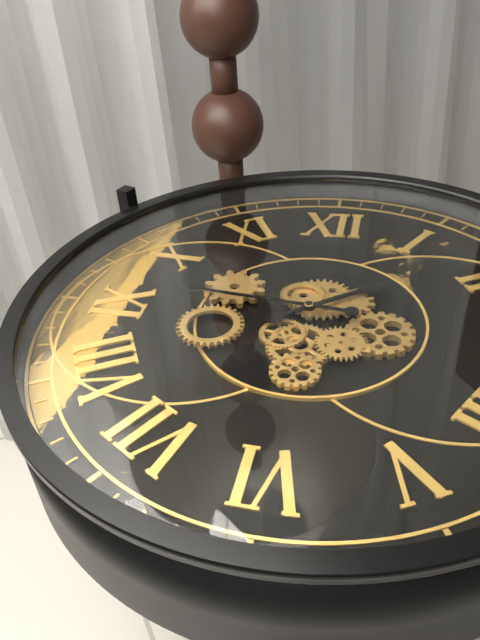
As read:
**1:46**
